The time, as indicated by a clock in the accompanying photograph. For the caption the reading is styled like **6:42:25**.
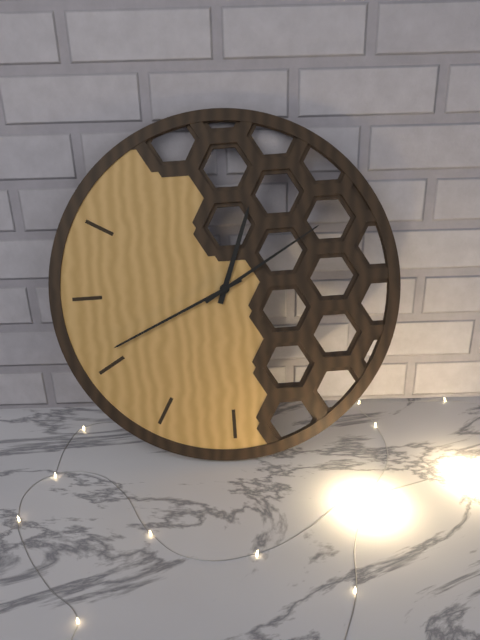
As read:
**12:41:10**
